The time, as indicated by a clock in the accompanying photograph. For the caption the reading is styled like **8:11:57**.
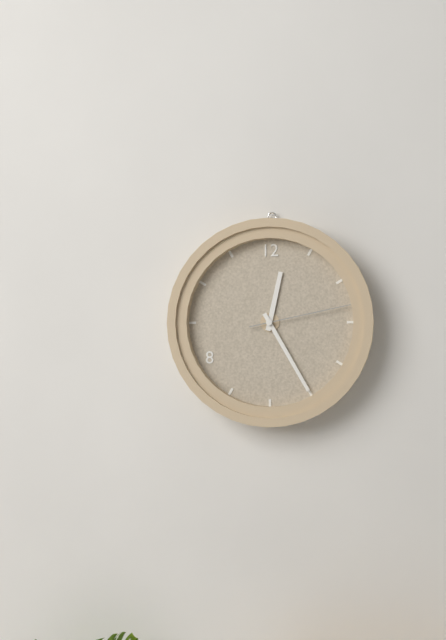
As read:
**12:25:13**
